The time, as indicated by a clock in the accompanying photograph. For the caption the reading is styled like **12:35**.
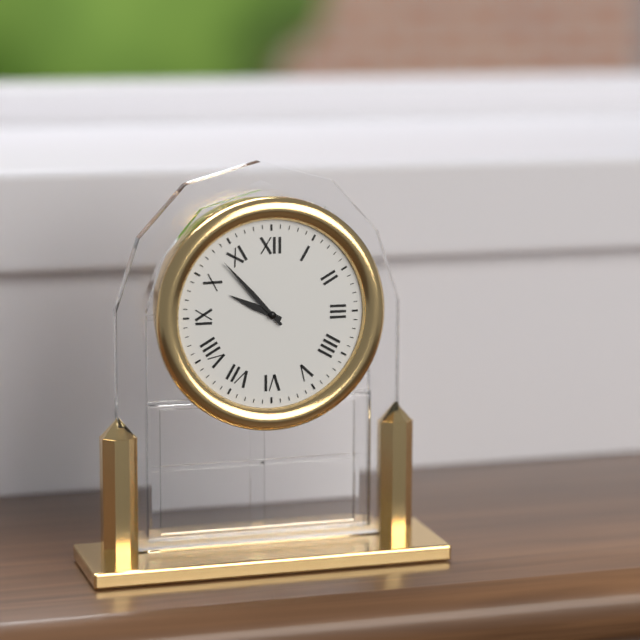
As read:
**9:53**
